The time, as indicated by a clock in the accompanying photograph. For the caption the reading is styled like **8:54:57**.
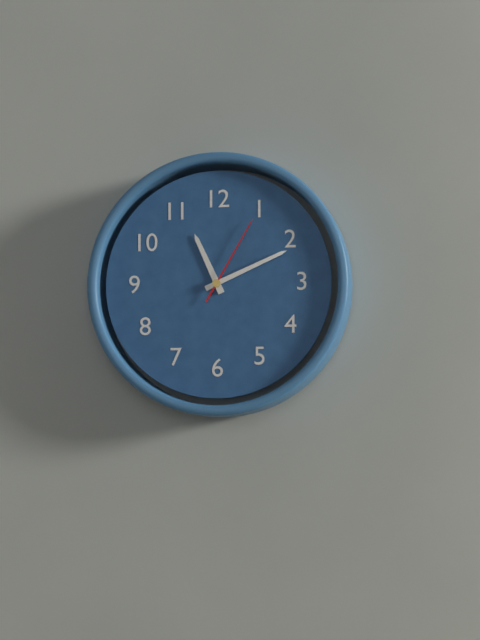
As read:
**11:11:05**
